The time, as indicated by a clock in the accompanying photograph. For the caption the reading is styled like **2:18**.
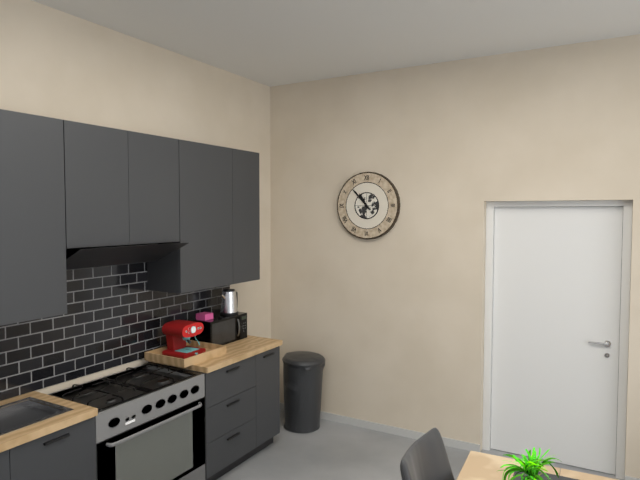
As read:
**10:53**
